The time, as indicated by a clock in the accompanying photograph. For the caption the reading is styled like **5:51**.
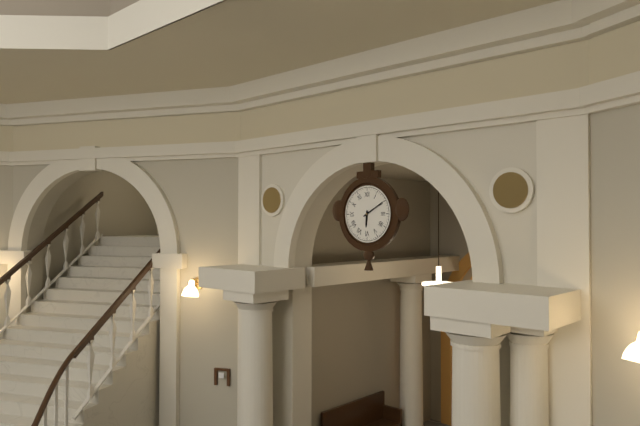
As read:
**6:10**
